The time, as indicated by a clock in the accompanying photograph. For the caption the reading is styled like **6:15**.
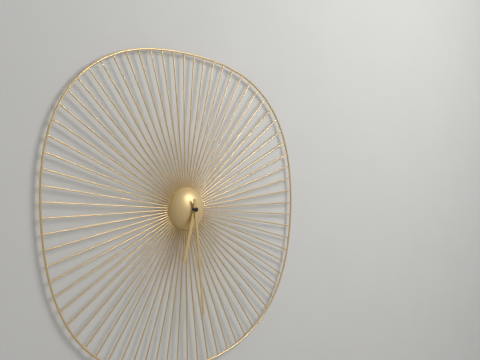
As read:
**6:29**
